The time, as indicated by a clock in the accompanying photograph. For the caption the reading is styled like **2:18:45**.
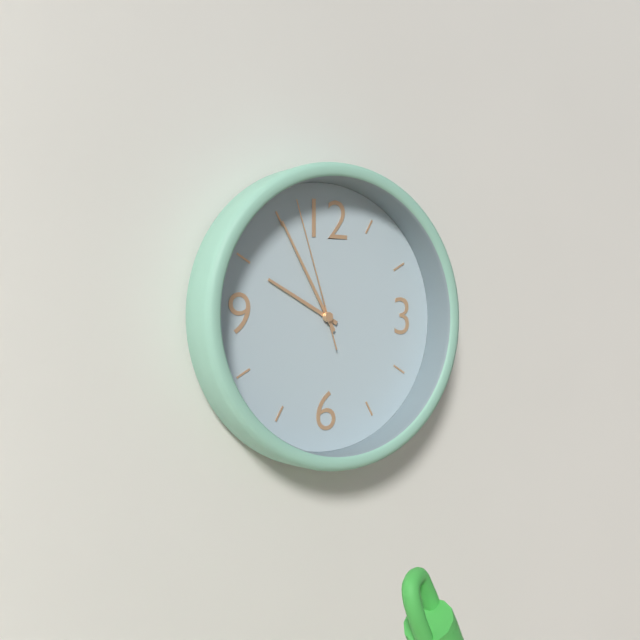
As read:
**9:55:57**
